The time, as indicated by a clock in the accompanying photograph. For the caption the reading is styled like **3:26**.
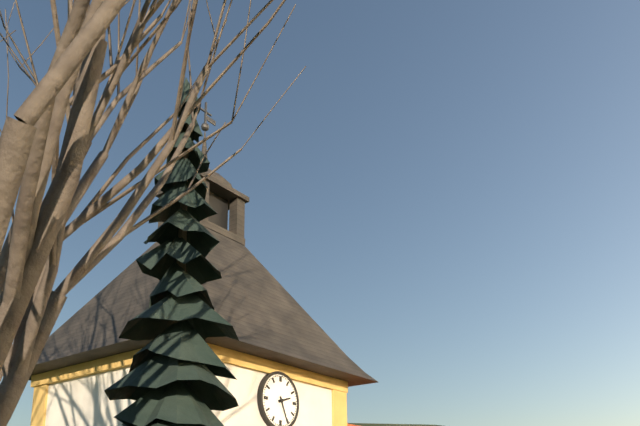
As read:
**2:26**
